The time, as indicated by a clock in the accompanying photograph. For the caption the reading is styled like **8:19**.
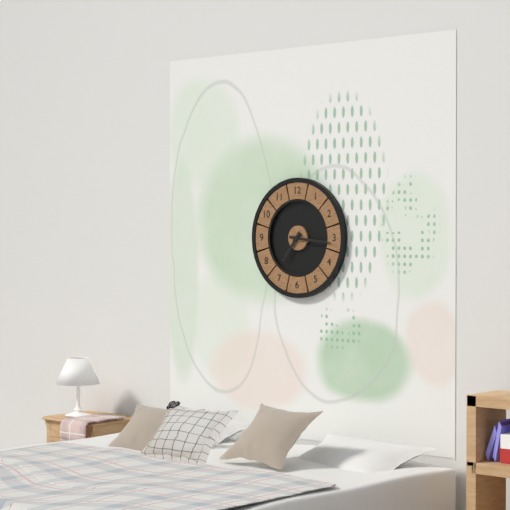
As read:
**7:16**
